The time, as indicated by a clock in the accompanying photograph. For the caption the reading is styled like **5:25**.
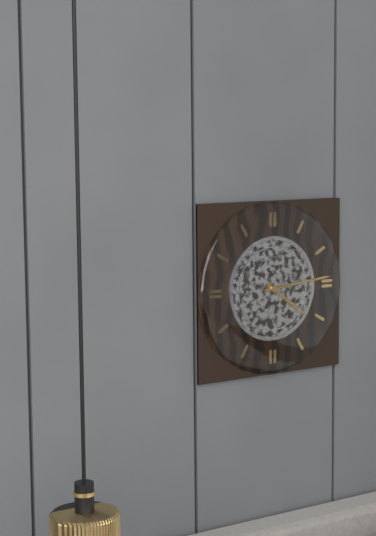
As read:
**4:14**
